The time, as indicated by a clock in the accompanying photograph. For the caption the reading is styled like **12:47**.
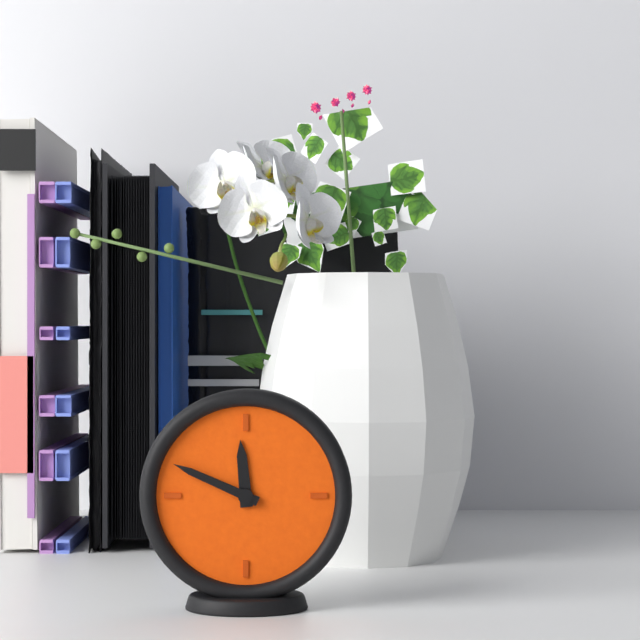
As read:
**11:49**
